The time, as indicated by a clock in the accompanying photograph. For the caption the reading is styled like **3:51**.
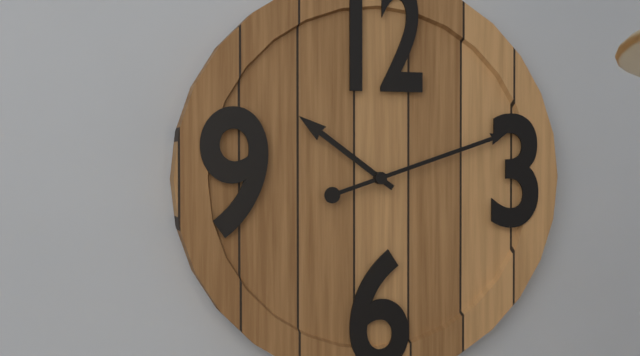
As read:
**10:12**
